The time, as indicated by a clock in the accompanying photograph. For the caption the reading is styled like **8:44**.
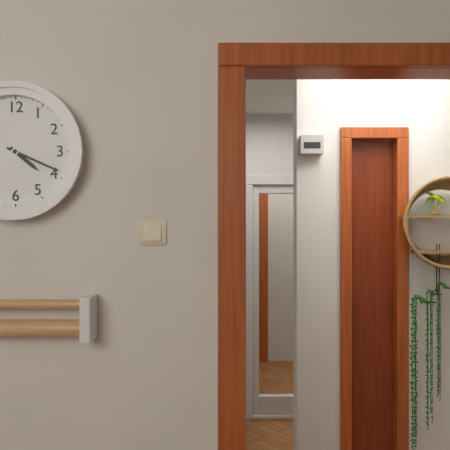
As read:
**4:19**
